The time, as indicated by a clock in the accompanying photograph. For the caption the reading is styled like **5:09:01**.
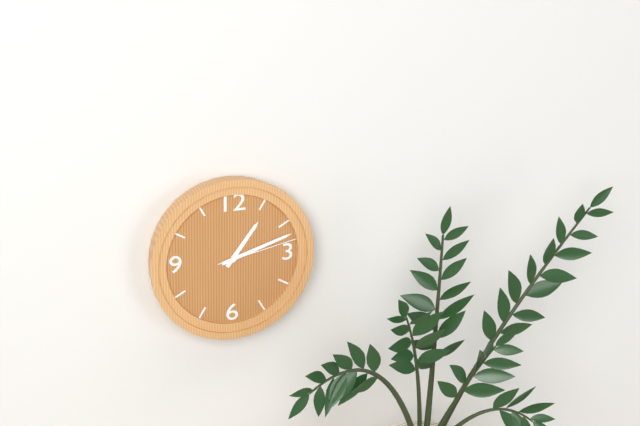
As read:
**1:12:13**
